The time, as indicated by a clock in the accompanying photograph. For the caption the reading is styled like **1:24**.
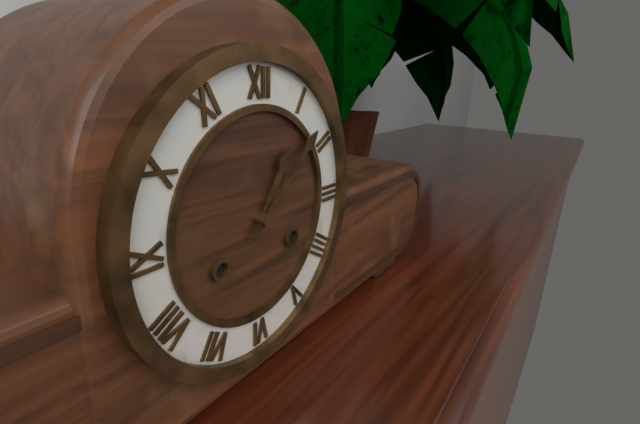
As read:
**1:08**
